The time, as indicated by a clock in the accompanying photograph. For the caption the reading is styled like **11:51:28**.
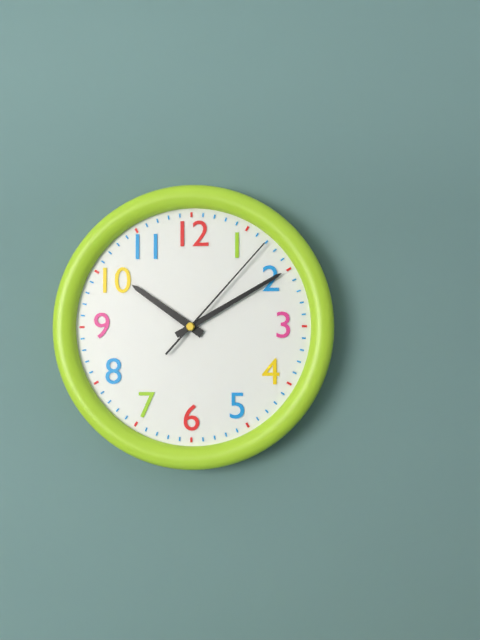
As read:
**10:10:07**
